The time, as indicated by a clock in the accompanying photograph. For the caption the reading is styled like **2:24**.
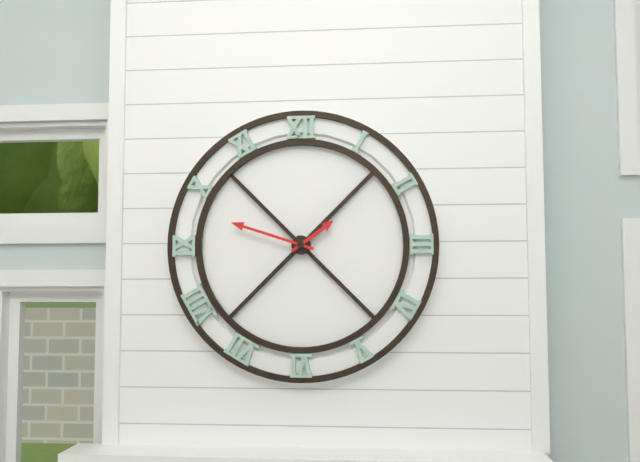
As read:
**1:48**
